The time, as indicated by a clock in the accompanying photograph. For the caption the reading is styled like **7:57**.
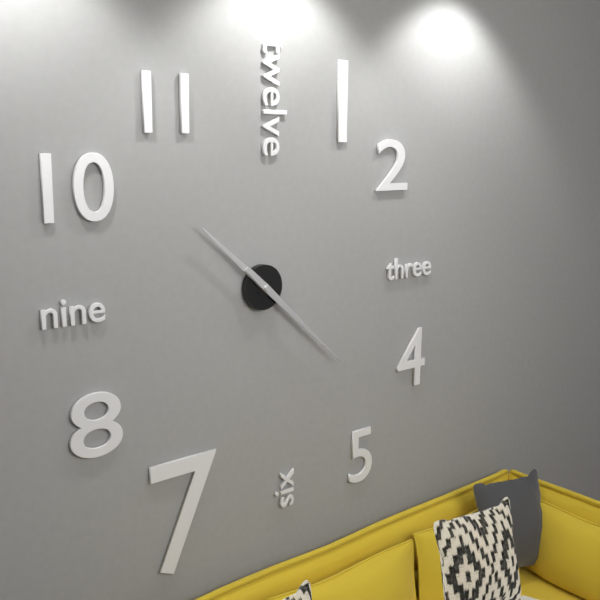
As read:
**10:22**
